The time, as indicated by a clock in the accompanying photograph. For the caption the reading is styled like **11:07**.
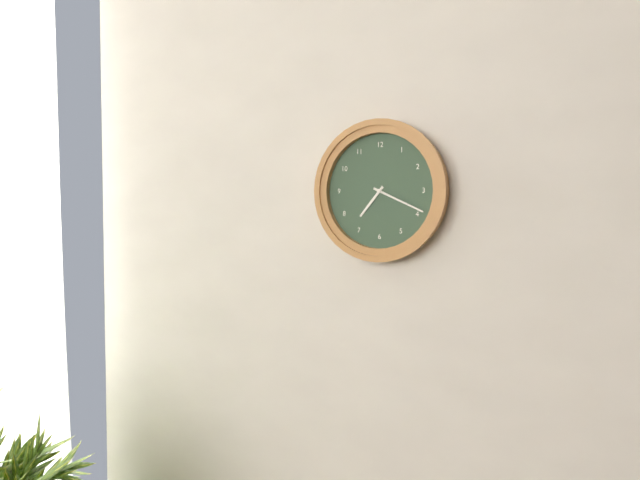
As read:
**7:19**
